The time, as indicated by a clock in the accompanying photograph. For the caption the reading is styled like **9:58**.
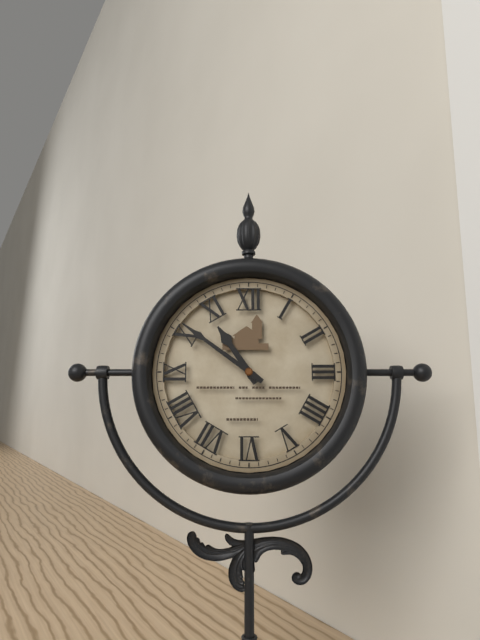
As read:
**10:51**
